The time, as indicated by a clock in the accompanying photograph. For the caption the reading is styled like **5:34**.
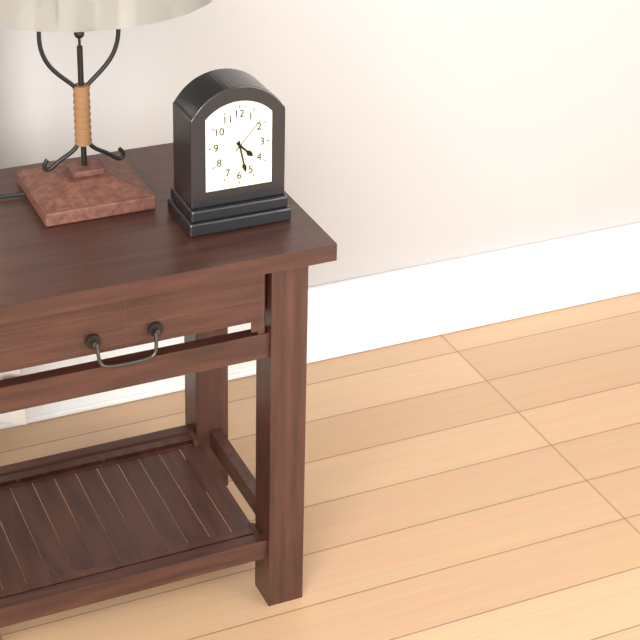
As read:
**4:28**
